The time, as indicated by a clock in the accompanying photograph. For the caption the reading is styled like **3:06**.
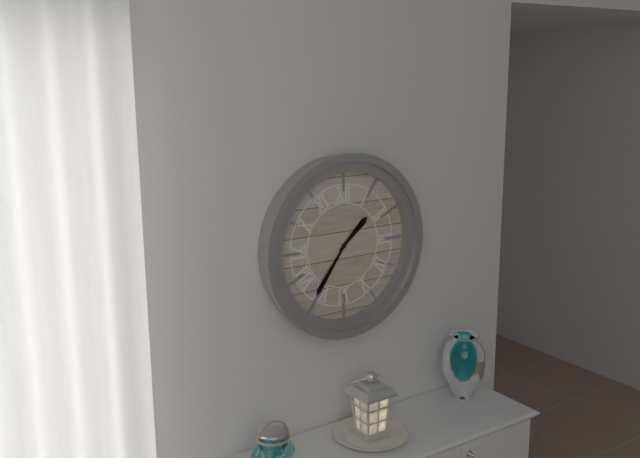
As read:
**1:36**
